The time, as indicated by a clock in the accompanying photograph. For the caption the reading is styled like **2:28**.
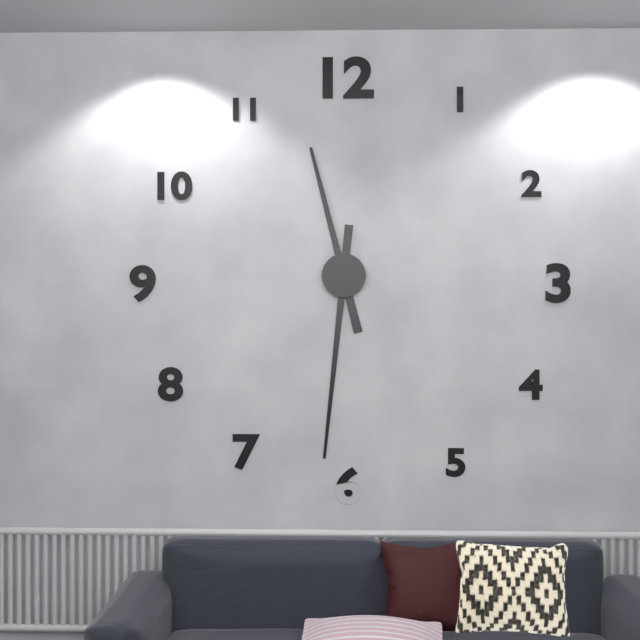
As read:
**11:31**
